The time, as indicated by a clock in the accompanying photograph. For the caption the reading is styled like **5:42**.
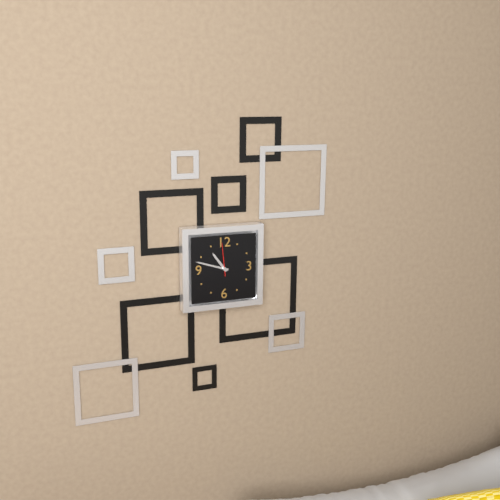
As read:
**10:48**
